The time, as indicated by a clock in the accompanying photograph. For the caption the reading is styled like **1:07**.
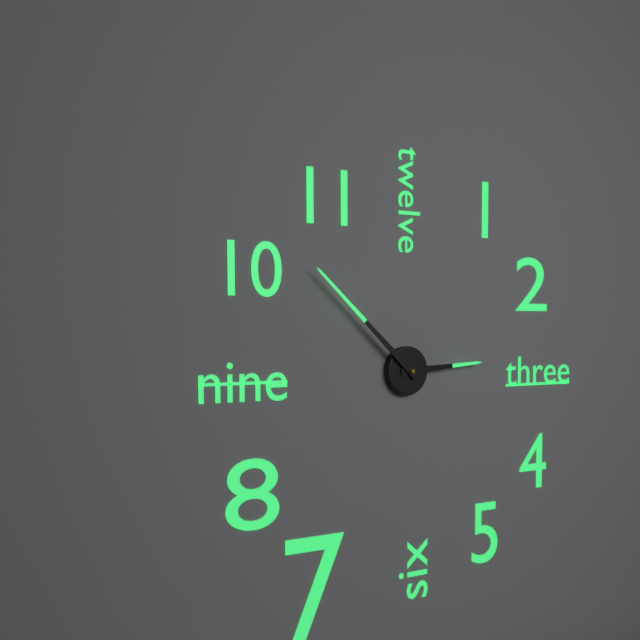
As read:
**2:52**
